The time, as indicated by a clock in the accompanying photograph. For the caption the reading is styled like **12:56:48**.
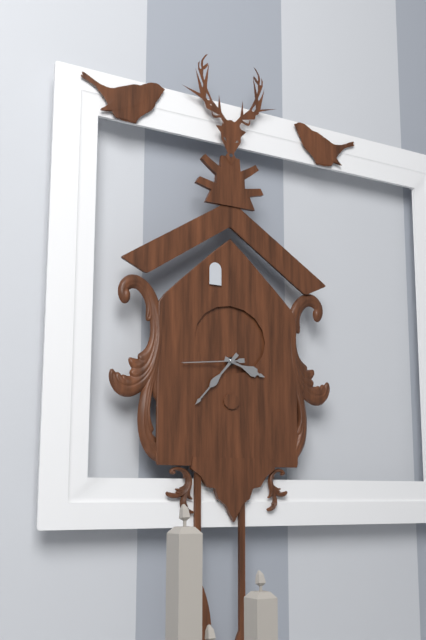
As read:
**3:37:44**
